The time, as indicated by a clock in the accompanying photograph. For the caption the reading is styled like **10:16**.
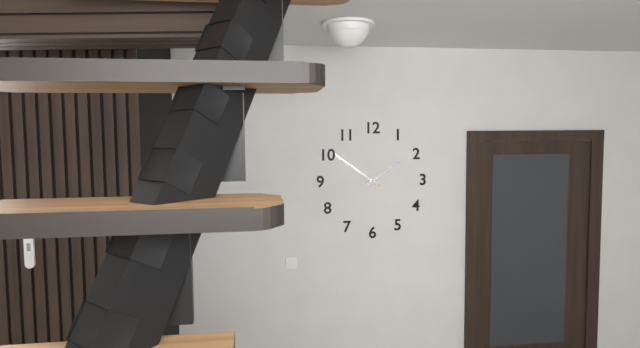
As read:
**1:51**
